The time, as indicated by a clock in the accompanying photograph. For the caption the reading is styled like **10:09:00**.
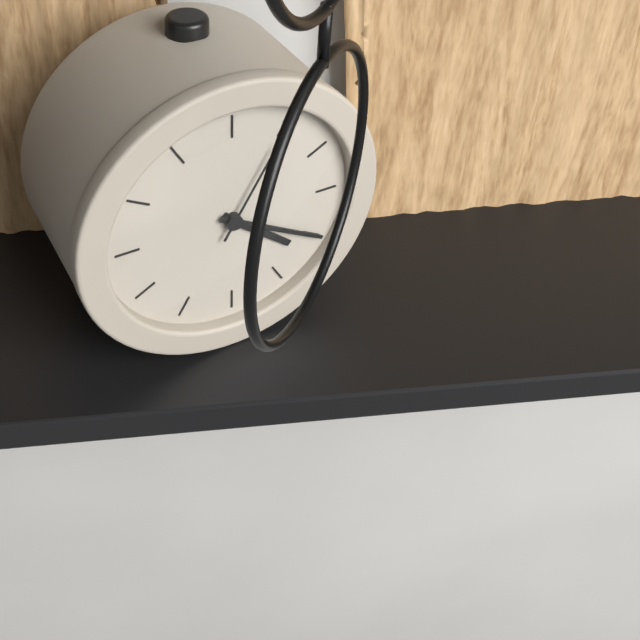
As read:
**4:20:05**
